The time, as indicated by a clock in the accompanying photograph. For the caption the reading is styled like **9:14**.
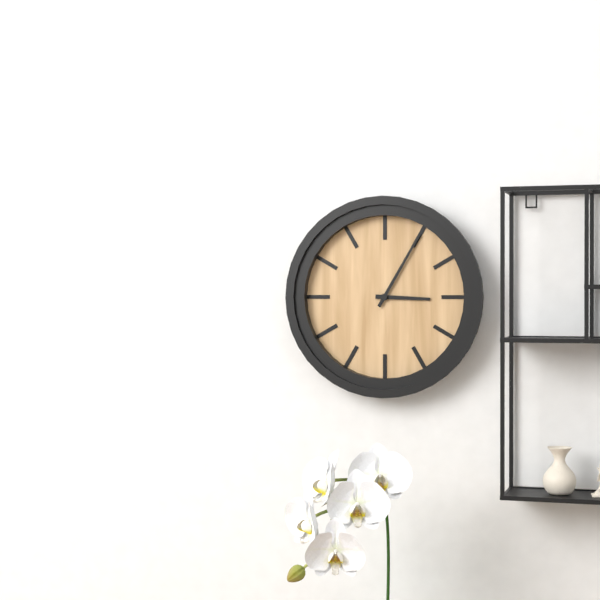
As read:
**3:05**
